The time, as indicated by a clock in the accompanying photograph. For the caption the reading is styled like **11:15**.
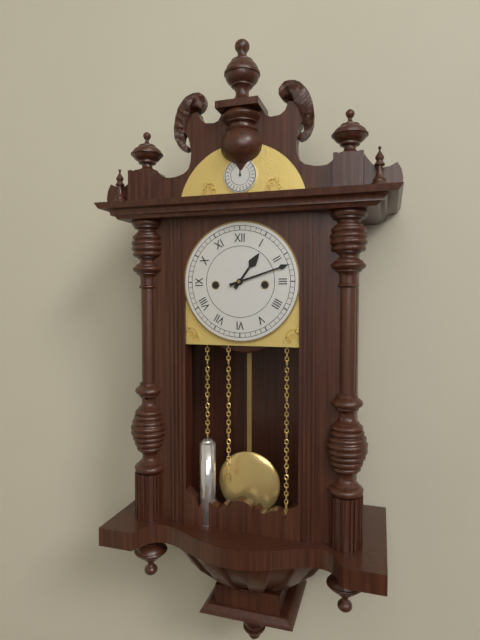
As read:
**1:12**
